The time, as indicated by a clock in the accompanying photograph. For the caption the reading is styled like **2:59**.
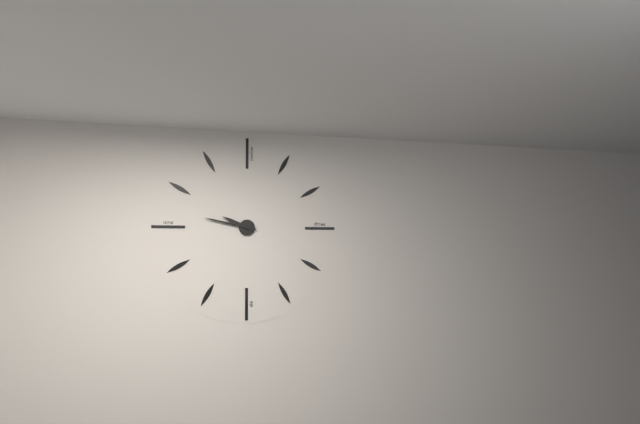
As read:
**9:47**
